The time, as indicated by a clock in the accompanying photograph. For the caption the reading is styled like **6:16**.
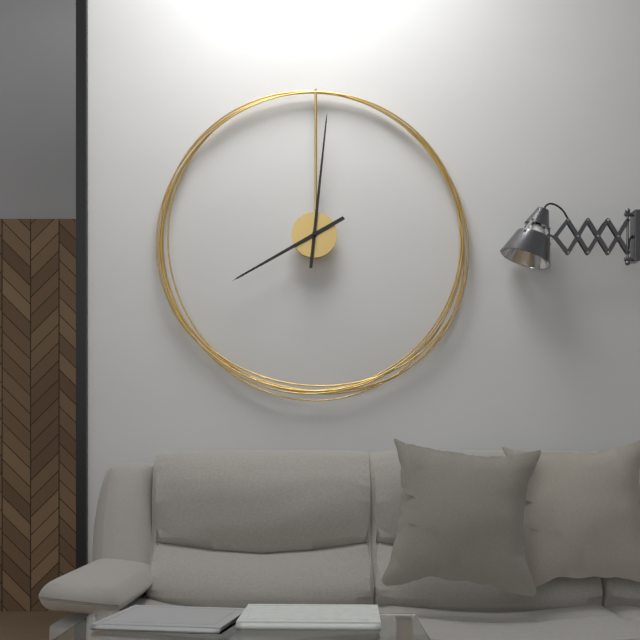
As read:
**8:01**
